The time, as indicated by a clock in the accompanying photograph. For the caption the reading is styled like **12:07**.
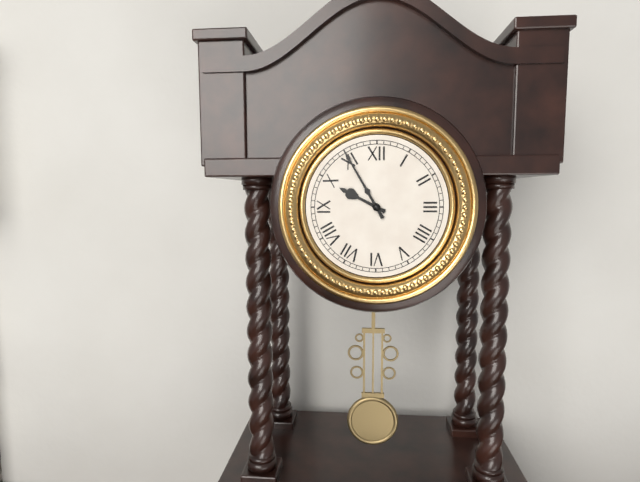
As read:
**9:55**
